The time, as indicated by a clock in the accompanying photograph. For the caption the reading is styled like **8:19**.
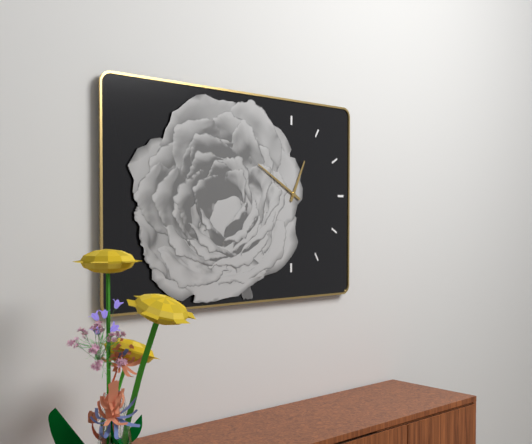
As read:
**12:50**
